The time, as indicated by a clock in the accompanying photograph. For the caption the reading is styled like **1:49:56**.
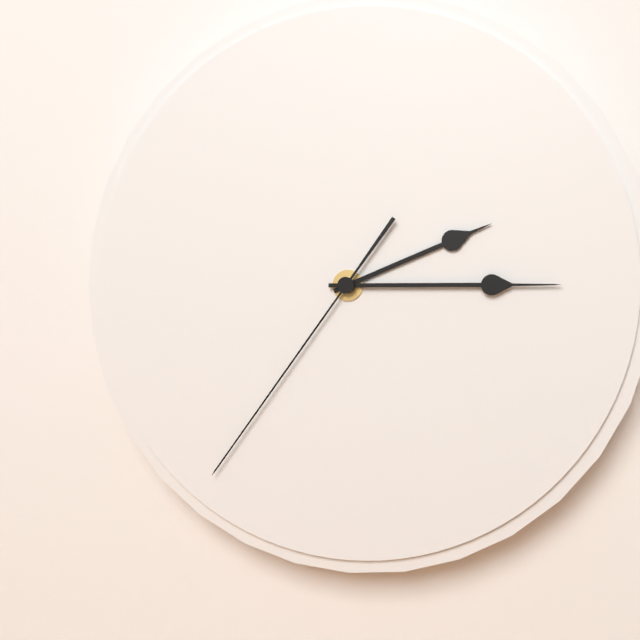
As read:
**2:15:36**
